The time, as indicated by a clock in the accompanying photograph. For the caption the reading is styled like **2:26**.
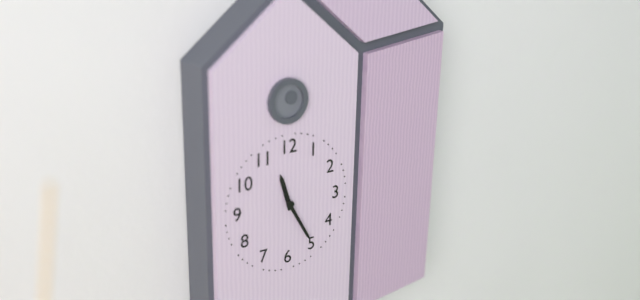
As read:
**11:25**
